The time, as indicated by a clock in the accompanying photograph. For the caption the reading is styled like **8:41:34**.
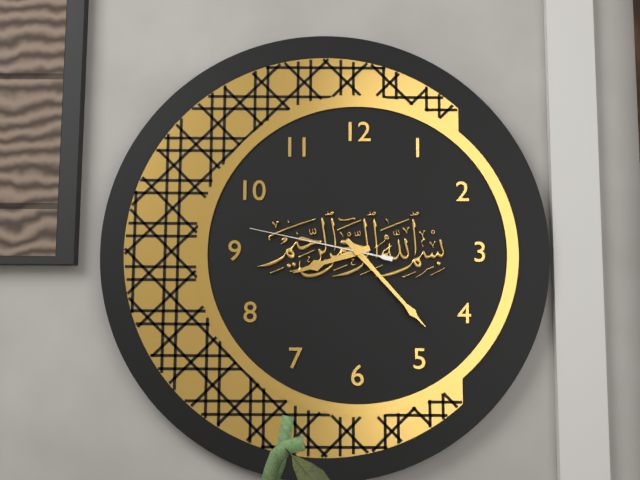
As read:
**8:23:47**
